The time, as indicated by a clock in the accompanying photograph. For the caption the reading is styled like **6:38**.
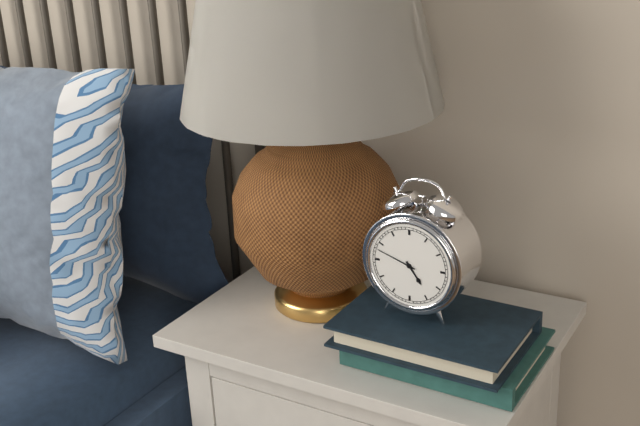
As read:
**4:48**
